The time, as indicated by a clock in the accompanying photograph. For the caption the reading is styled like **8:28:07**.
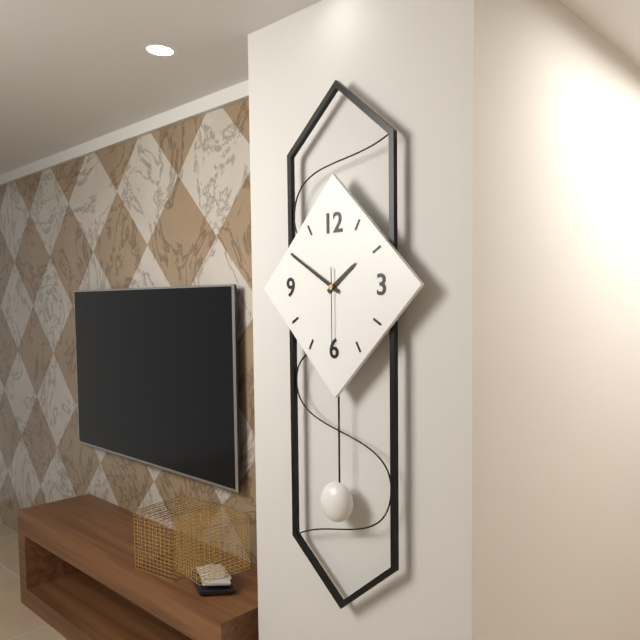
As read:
**1:50:30**
